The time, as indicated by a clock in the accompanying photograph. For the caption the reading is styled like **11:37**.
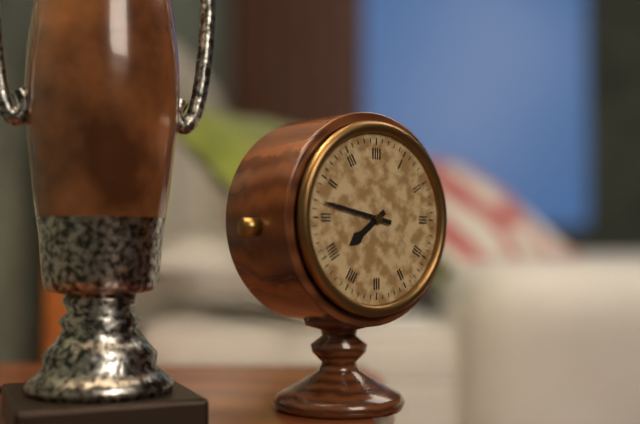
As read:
**7:47**
